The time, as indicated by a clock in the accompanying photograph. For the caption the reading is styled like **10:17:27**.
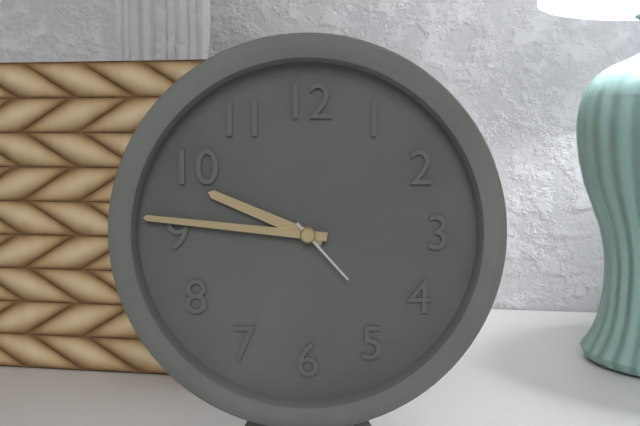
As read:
**9:46:23**
